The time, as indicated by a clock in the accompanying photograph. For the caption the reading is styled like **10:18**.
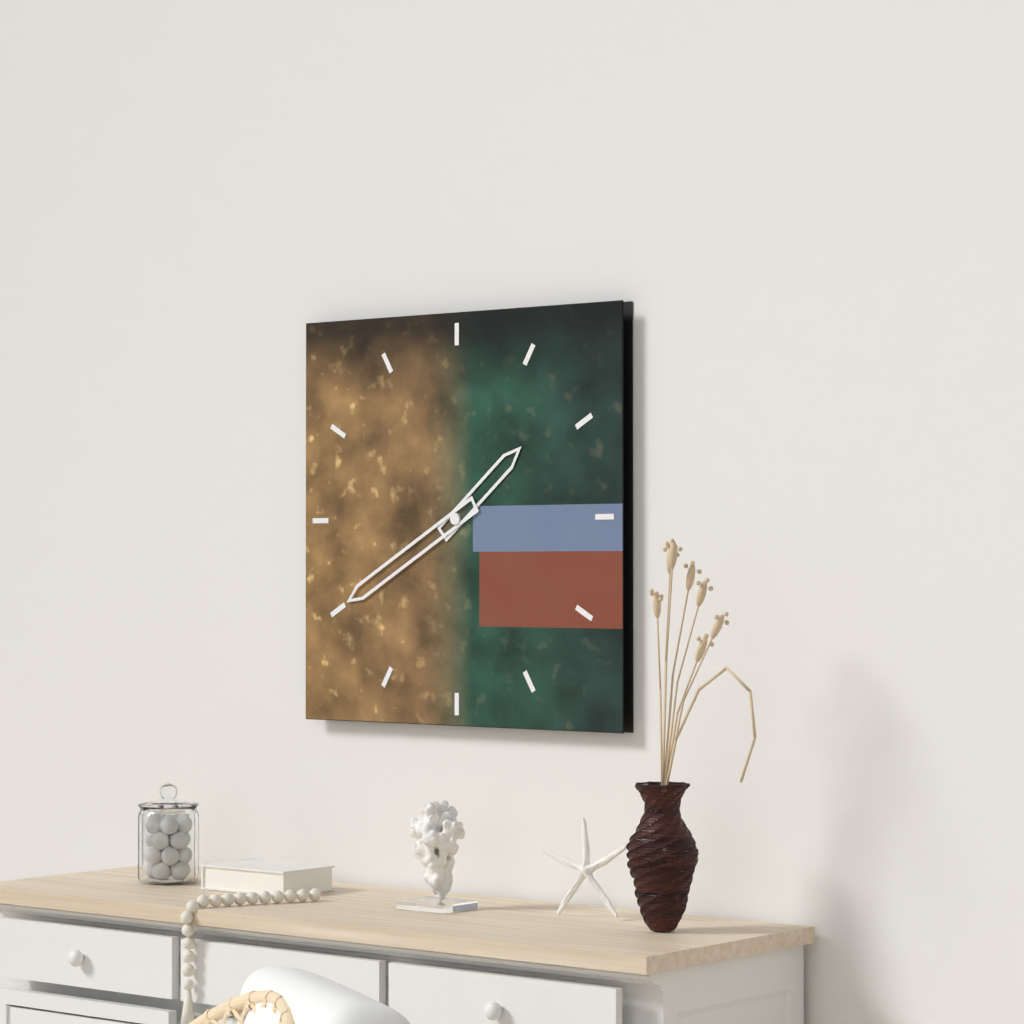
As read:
**1:40**
